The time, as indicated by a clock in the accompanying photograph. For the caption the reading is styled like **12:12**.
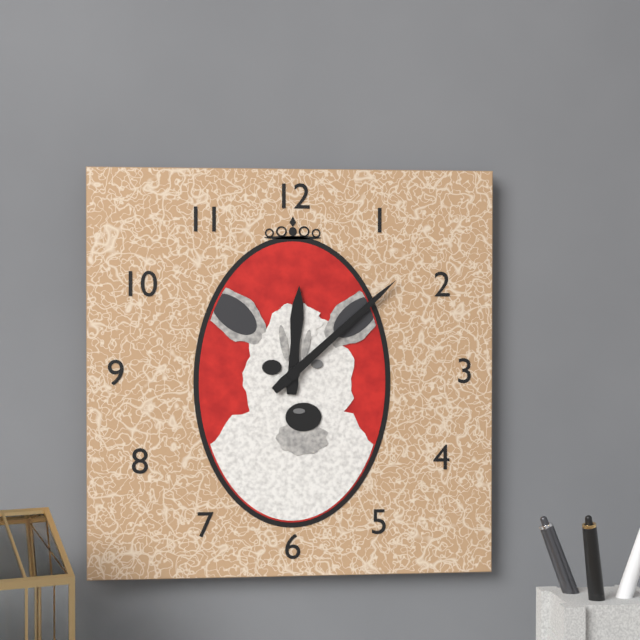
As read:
**12:08**
